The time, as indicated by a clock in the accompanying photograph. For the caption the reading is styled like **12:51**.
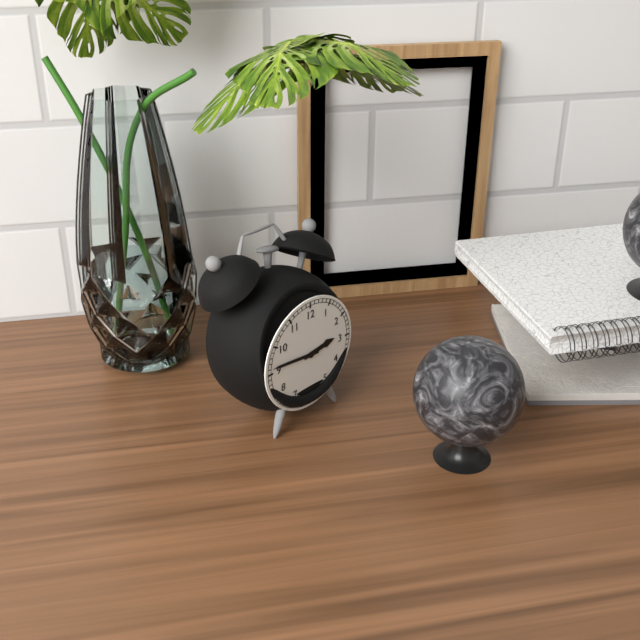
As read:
**2:46**
